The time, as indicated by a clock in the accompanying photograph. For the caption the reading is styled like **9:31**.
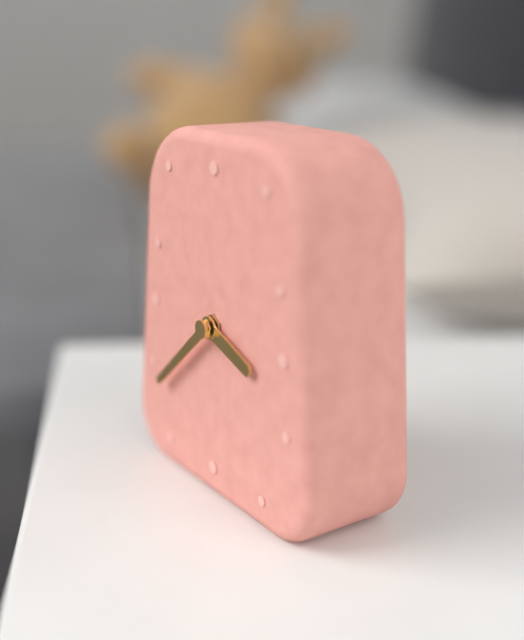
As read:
**3:38**
